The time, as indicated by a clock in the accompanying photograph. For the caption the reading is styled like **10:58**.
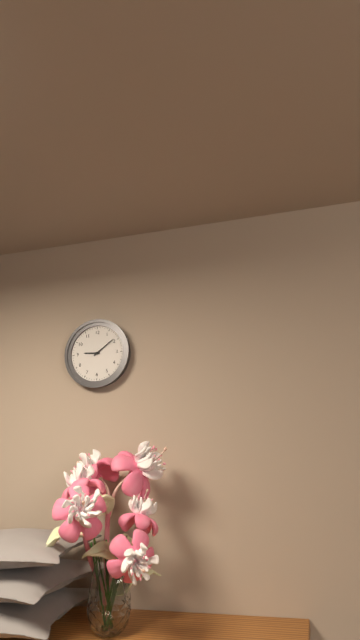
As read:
**9:09**
